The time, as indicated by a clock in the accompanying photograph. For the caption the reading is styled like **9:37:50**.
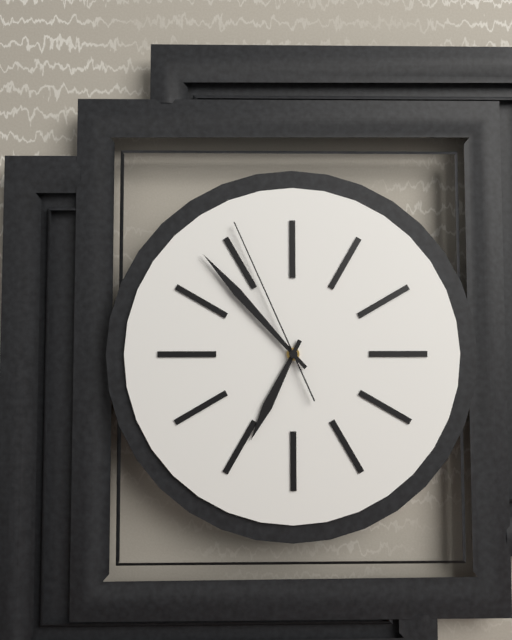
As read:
**6:53:56**
